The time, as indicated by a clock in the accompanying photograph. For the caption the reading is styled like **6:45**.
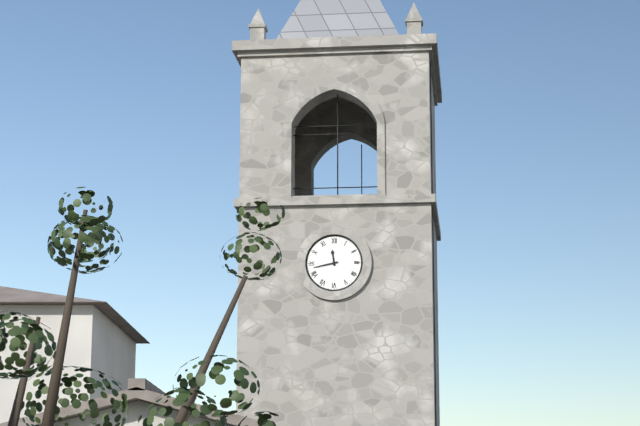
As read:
**11:43**
